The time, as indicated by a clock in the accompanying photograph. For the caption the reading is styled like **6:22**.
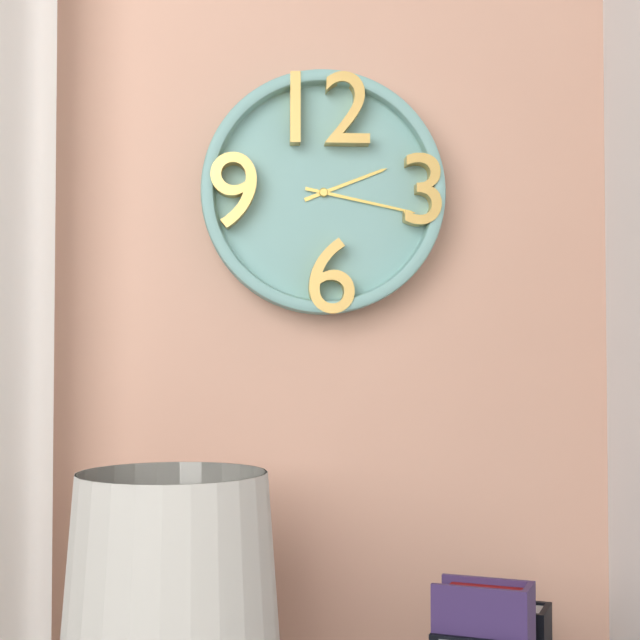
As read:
**2:17**
